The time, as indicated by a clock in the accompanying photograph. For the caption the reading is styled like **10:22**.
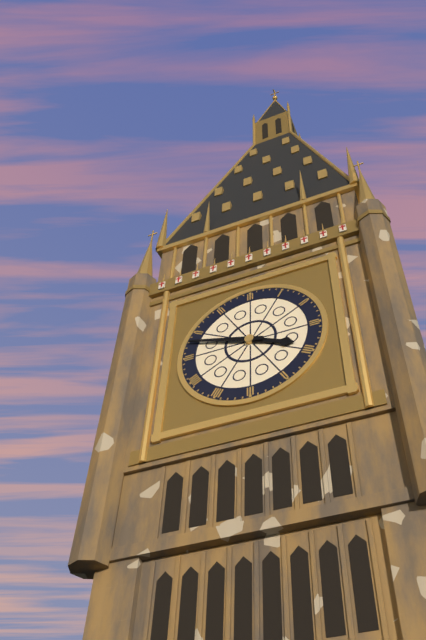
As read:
**3:48**
